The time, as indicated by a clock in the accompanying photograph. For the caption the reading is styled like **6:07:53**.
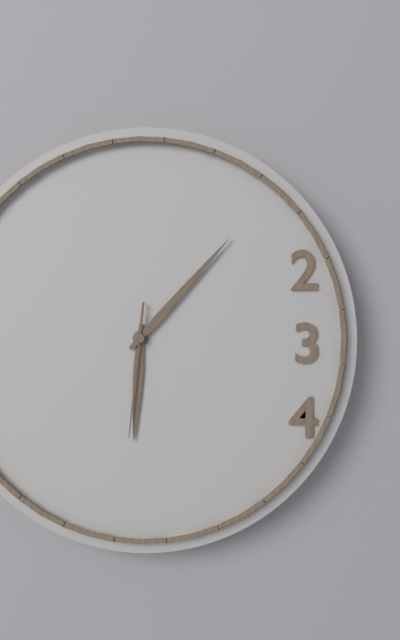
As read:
**6:07:31**
